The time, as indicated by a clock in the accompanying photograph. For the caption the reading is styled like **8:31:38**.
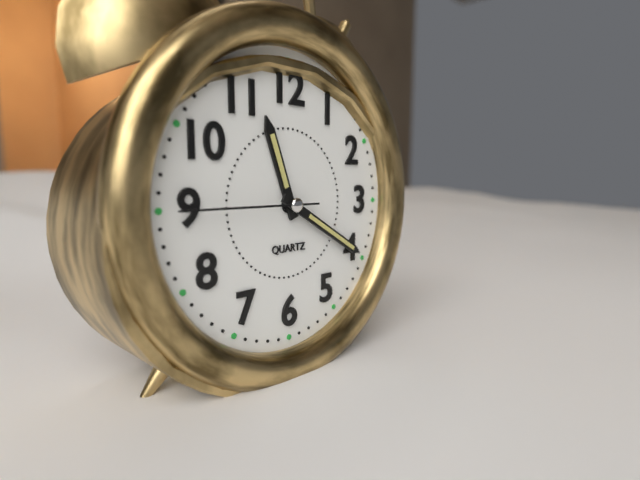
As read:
**11:20:45**
